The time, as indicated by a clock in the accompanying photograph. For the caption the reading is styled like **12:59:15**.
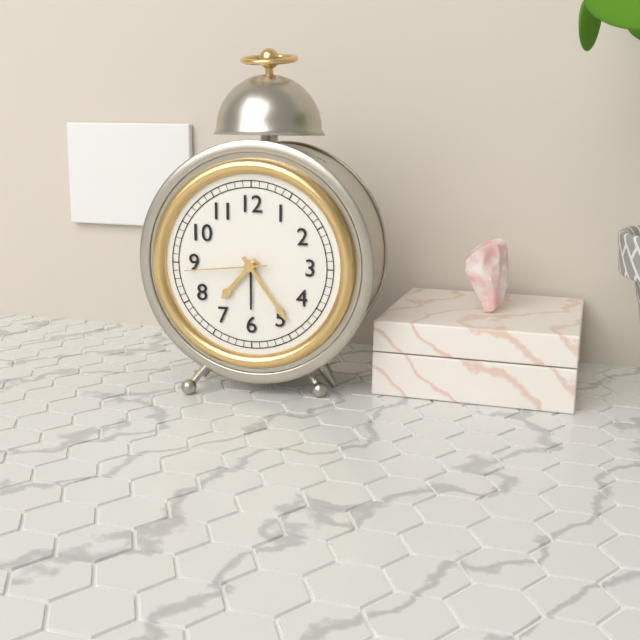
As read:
**7:24:44**
